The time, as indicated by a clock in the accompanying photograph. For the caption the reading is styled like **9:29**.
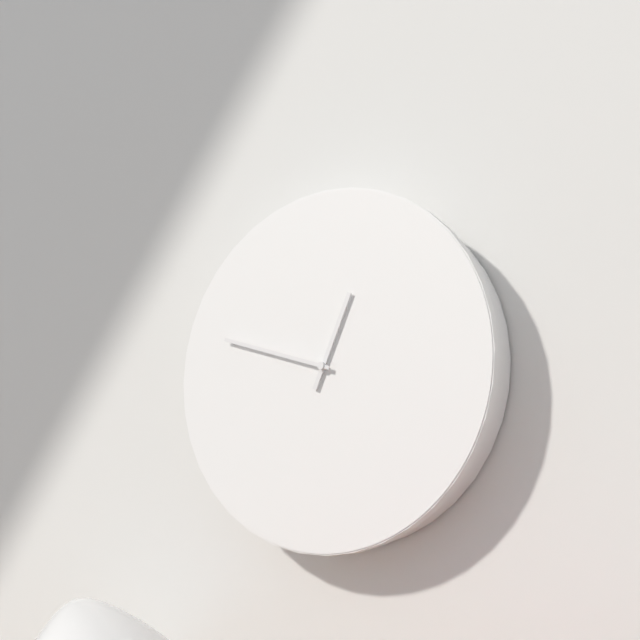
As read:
**12:48**
